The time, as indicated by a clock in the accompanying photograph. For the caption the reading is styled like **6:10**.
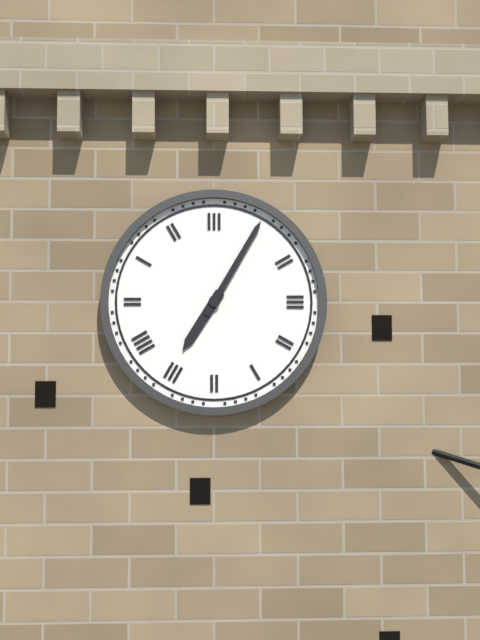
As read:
**7:05**
